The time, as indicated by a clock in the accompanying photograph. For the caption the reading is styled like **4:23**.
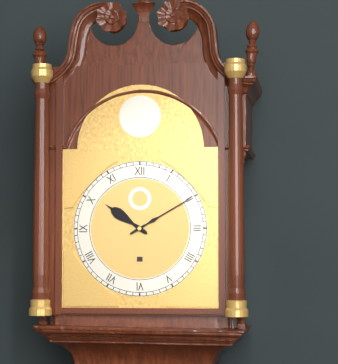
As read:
**10:10**
